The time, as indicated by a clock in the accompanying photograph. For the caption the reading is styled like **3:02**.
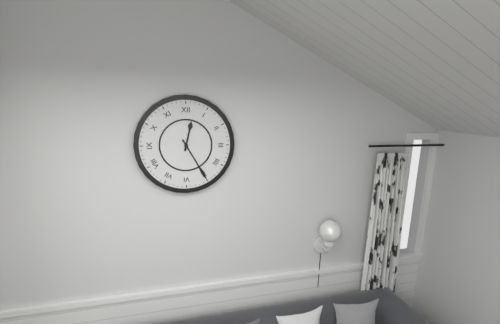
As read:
**12:25**
